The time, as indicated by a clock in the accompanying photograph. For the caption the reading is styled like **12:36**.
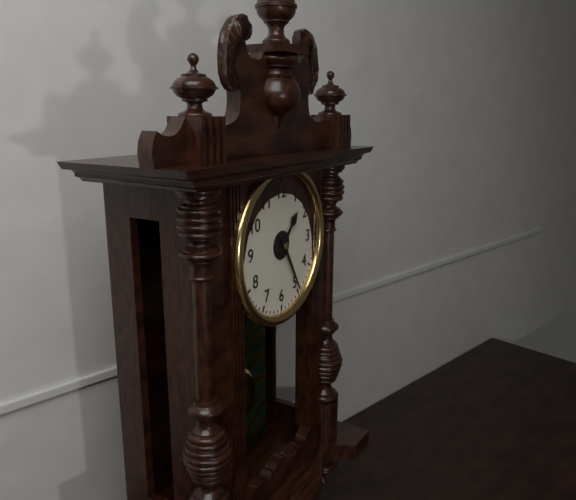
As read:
**1:25**
